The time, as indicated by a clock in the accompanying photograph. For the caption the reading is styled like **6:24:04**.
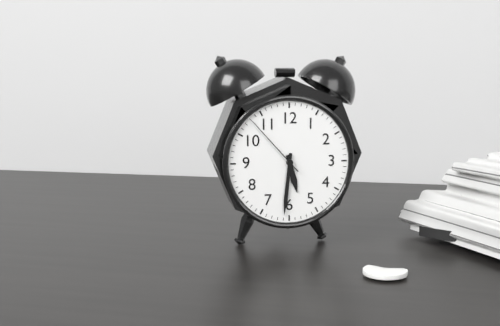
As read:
**5:31:53**
